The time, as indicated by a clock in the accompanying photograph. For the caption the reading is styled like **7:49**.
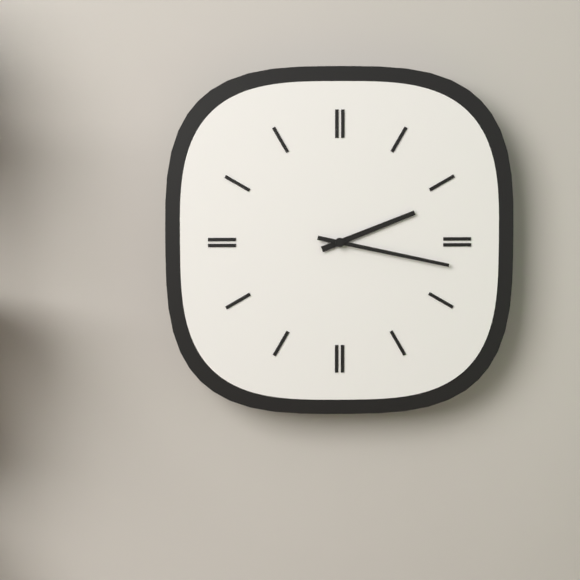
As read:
**2:17**
